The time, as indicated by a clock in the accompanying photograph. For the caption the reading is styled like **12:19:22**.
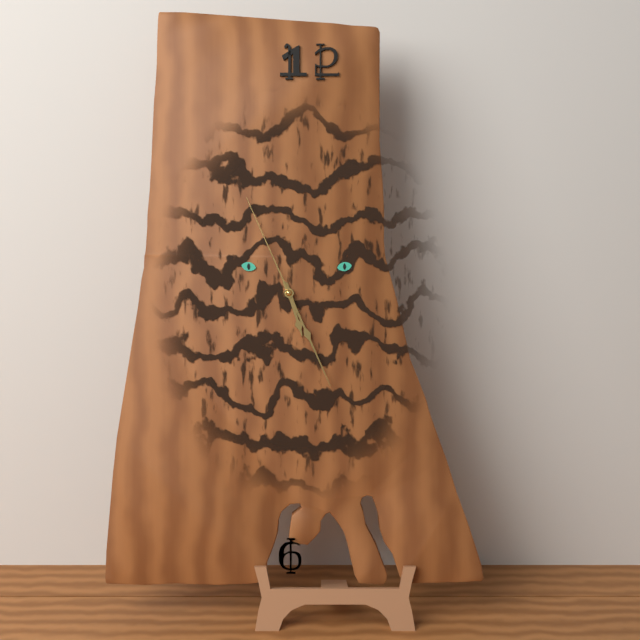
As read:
**5:26:56**
